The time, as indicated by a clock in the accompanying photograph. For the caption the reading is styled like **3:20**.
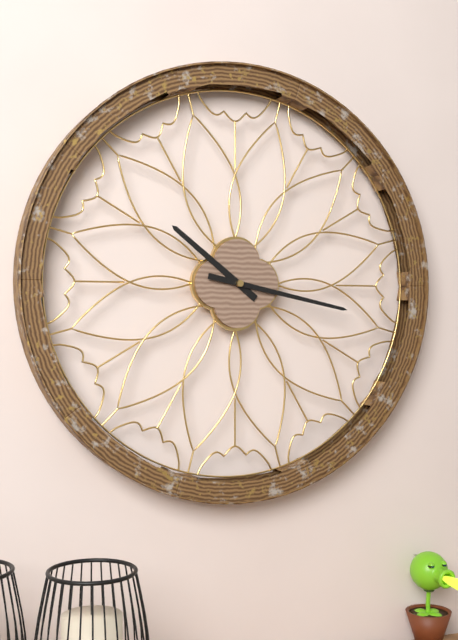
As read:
**10:17**
